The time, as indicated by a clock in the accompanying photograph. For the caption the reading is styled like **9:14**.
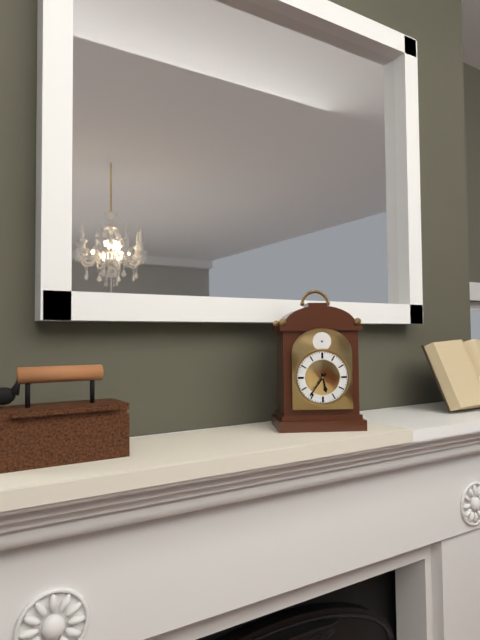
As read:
**5:36**
